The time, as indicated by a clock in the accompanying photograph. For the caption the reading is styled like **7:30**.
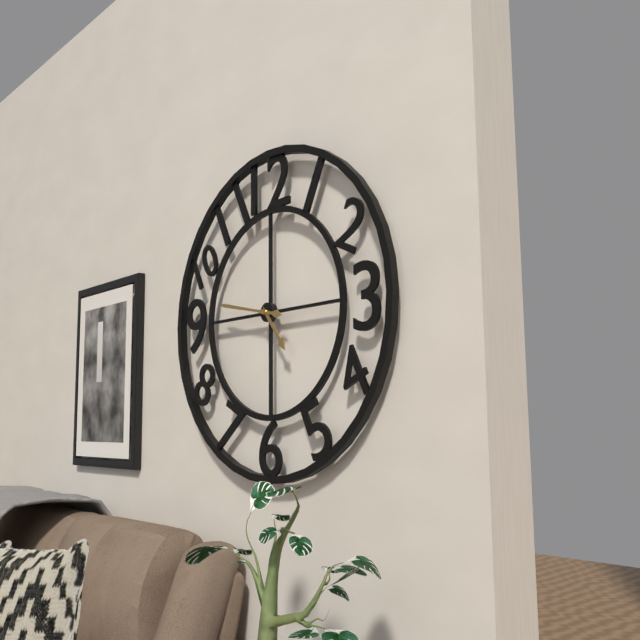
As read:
**4:47**
